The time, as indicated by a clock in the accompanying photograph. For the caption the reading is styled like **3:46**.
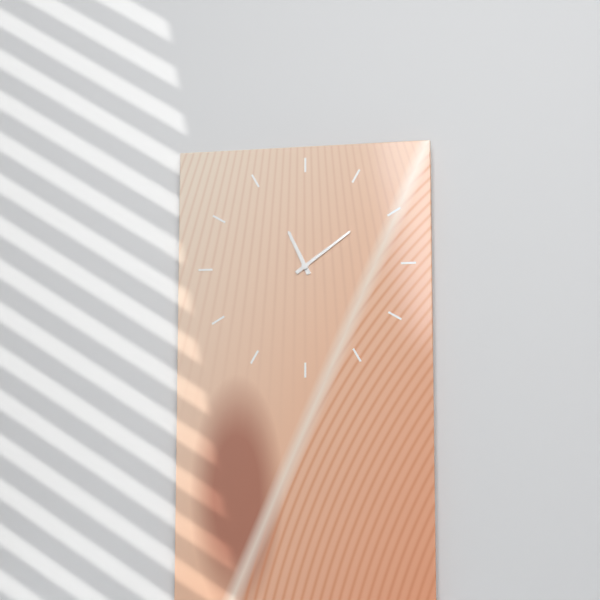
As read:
**11:09**
